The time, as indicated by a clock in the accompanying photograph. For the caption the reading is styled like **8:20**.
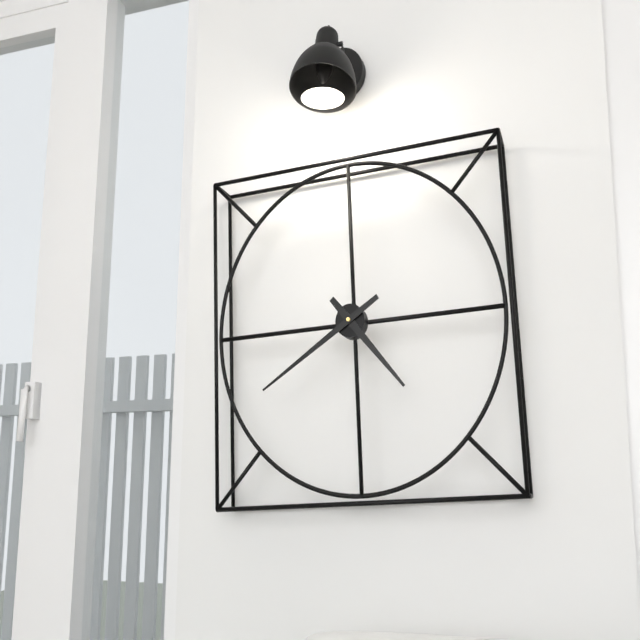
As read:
**4:40**
